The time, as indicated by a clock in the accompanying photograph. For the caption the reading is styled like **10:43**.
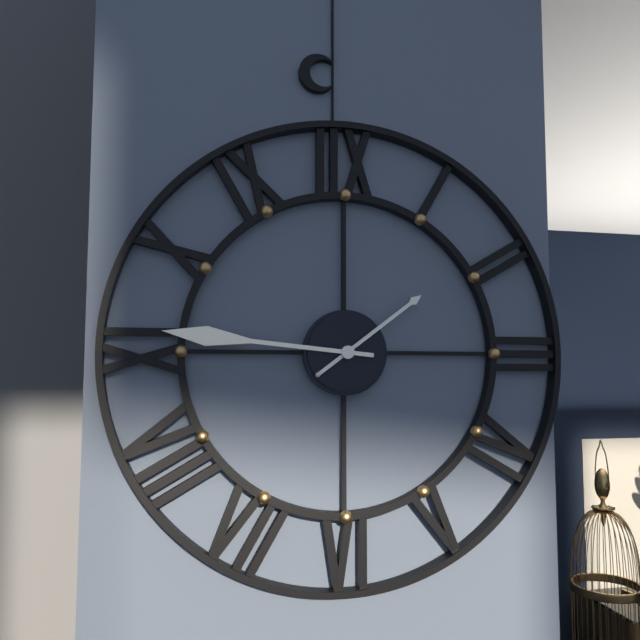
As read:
**1:46**
